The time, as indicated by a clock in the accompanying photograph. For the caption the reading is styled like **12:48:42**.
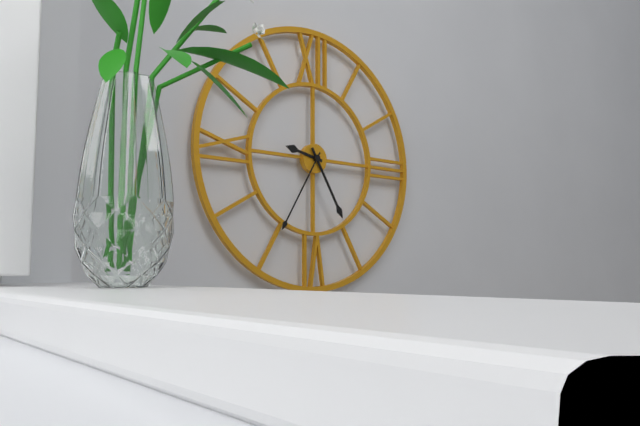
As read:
**9:25:35**
